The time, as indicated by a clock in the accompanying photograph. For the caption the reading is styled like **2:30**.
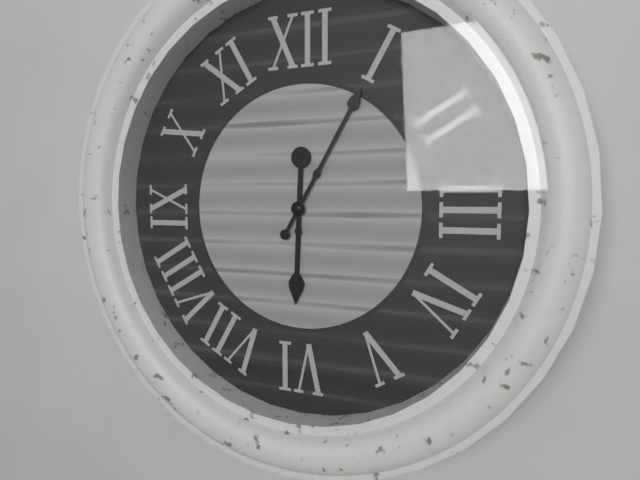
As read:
**6:05**
